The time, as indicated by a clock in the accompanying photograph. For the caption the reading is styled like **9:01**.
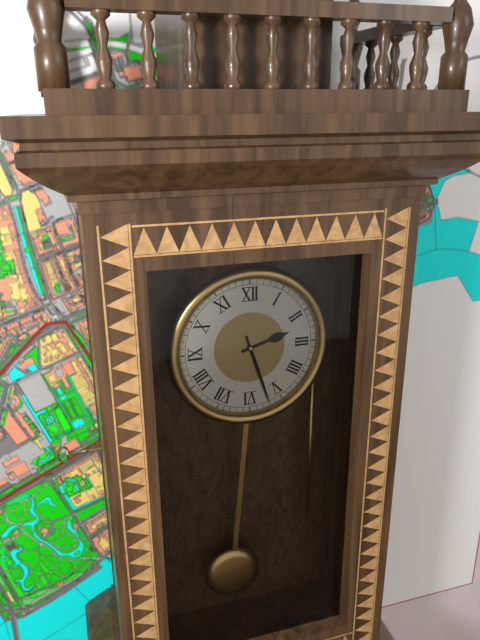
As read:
**2:27**
